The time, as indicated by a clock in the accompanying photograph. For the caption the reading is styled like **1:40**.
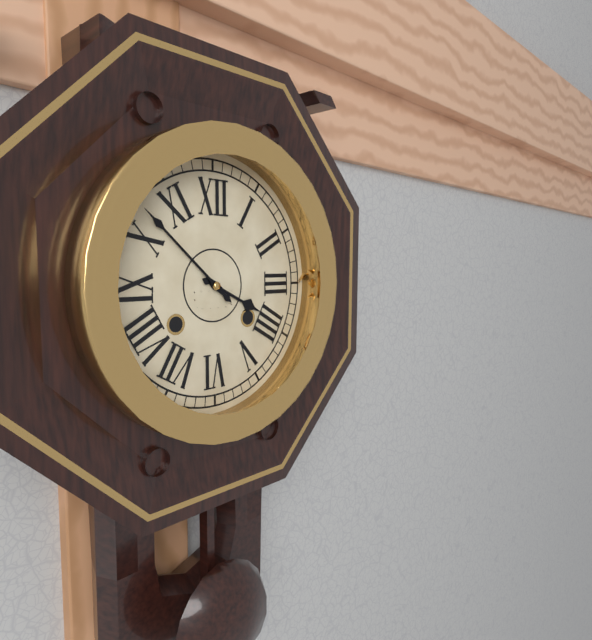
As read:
**3:52**
